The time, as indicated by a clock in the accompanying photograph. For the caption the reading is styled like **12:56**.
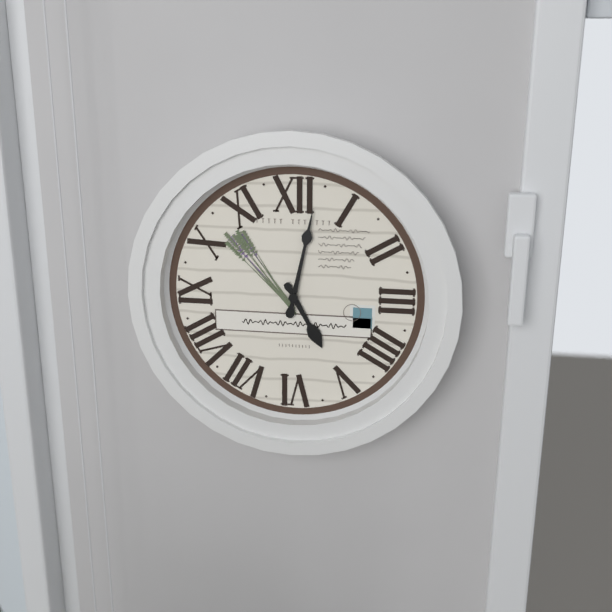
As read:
**5:02**
